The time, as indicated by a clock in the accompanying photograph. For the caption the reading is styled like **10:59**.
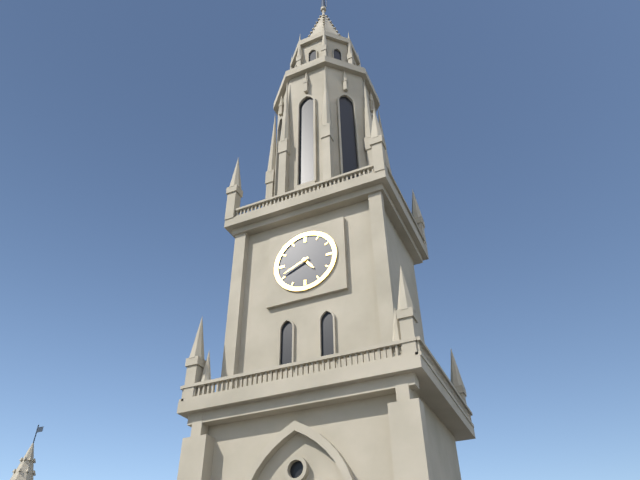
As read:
**4:41**
